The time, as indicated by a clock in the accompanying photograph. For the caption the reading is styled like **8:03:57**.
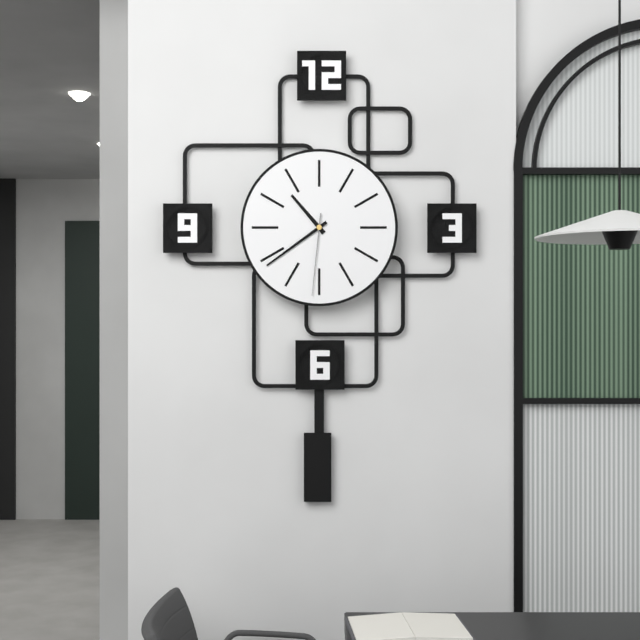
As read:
**10:39:31**
